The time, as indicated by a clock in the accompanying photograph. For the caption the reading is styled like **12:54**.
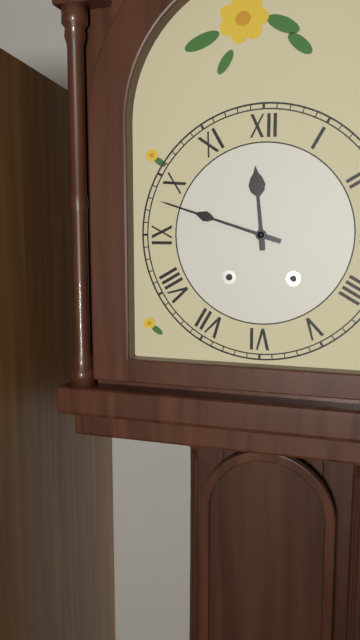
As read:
**11:48**
